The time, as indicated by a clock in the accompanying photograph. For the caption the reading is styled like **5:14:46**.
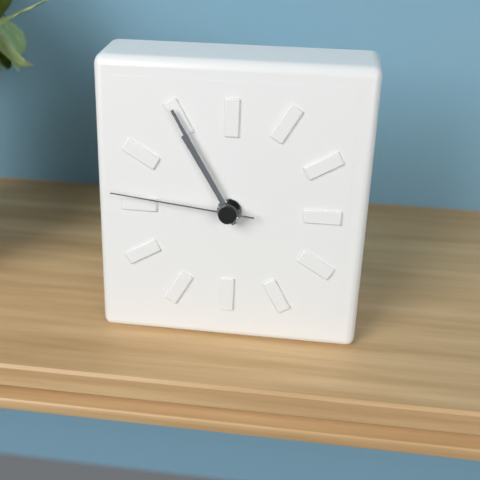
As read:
**10:55:46**
